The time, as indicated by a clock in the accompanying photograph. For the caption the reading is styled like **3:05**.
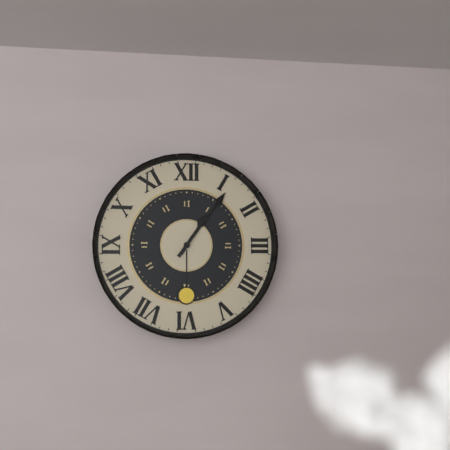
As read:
**1:06**
